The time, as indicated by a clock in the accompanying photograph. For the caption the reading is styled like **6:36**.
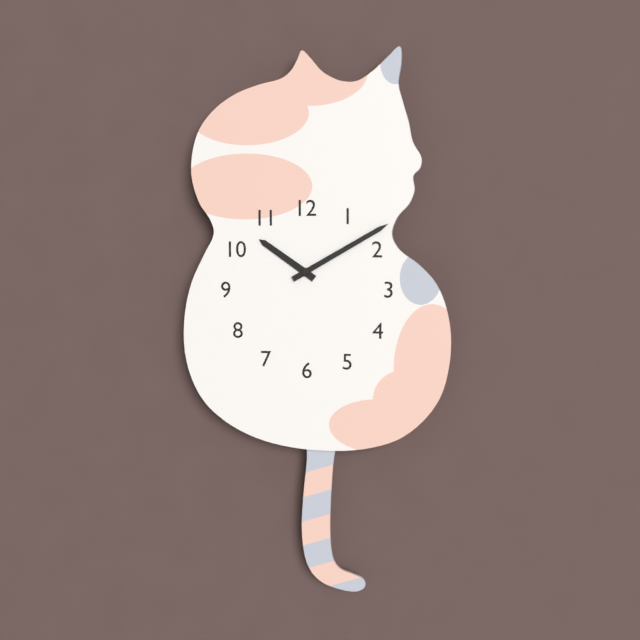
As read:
**10:10**
